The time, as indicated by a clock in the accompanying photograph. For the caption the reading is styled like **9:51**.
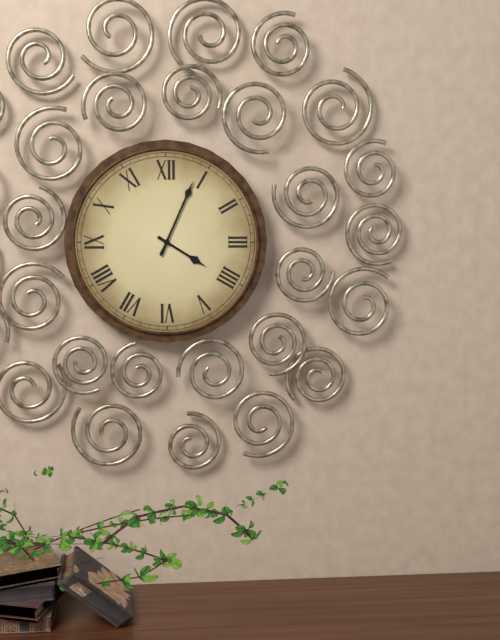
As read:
**4:04**
